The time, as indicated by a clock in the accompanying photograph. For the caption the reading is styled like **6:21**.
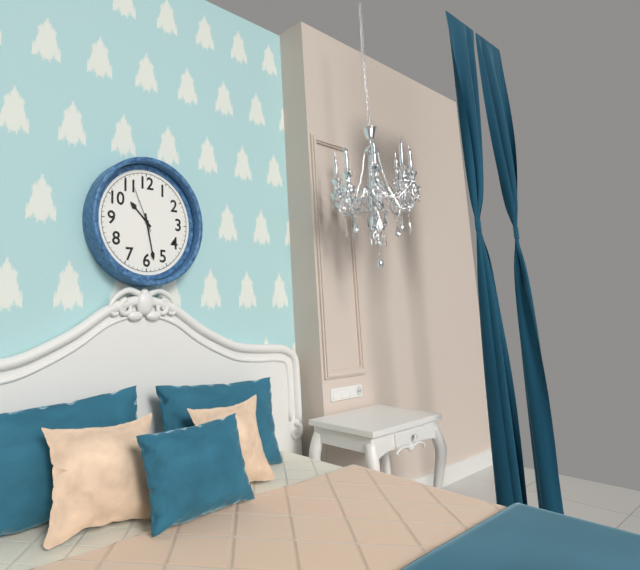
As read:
**10:28**
